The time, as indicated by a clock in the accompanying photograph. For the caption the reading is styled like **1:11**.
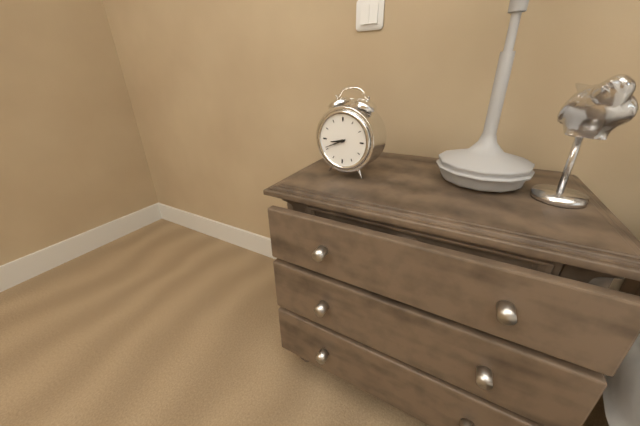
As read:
**8:41**
